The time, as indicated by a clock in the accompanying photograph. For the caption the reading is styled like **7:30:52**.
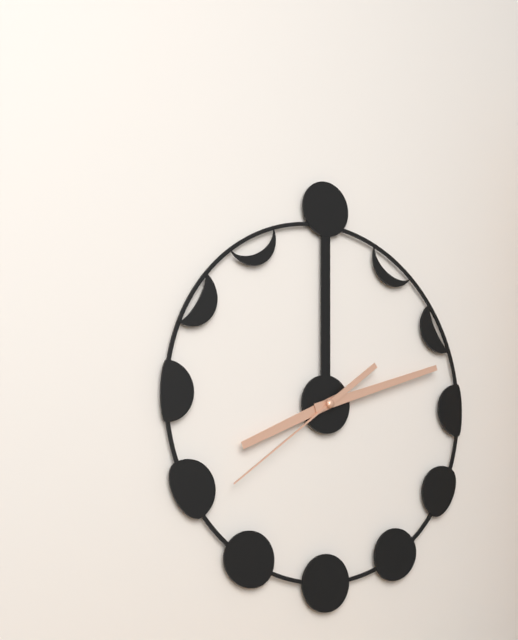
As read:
**8:12:39**
